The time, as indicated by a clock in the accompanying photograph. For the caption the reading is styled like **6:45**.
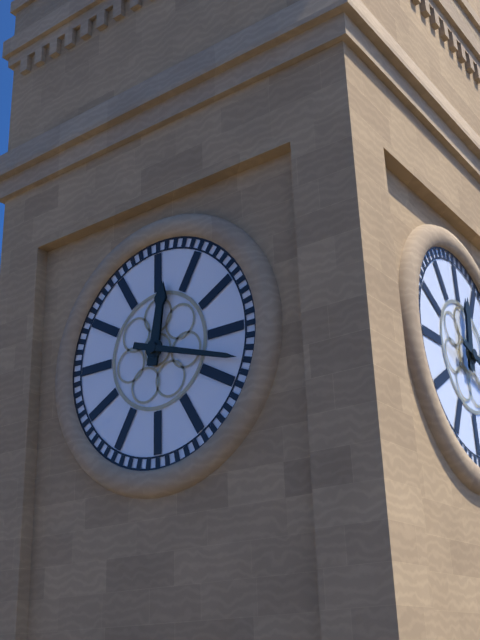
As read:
**12:18**
